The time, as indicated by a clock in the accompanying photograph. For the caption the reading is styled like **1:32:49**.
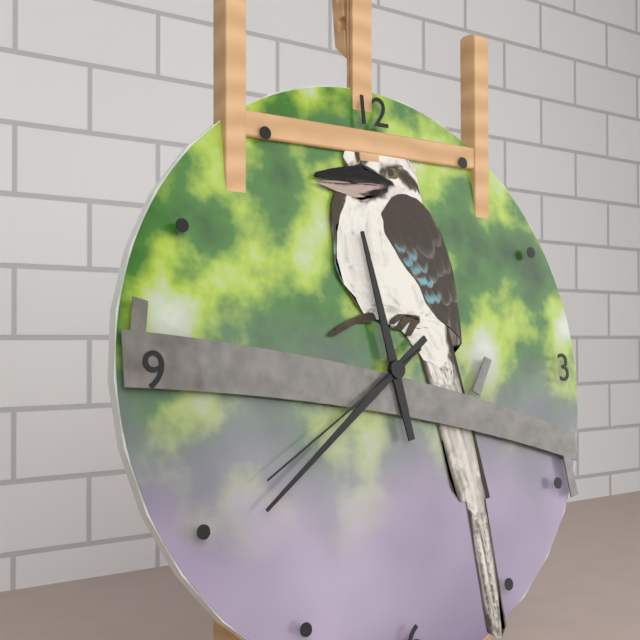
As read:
**11:39:40**
